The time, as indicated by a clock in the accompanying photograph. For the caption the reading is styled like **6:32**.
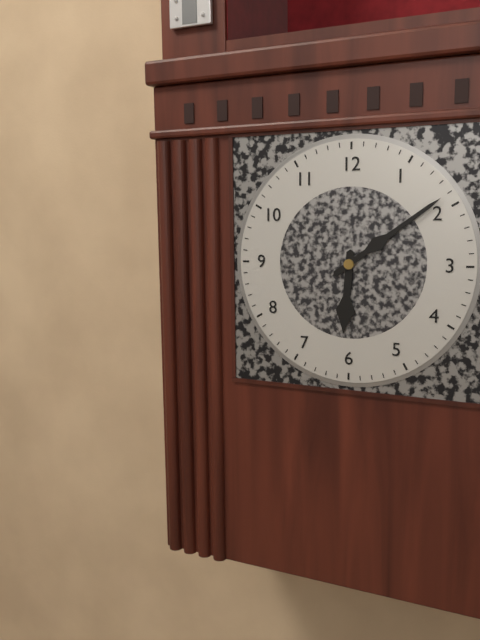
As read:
**6:09**
